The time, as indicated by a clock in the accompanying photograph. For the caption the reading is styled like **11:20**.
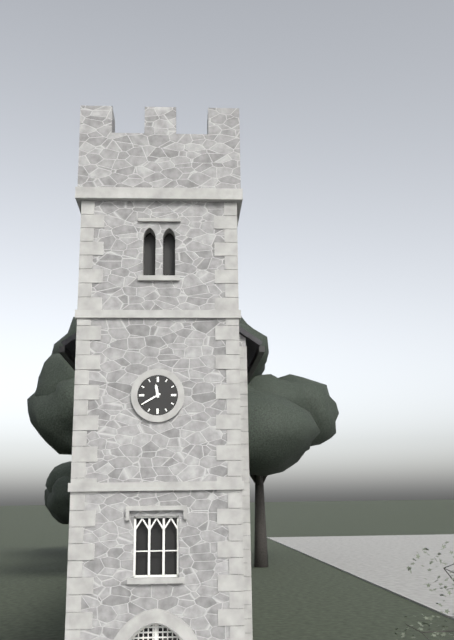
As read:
**11:40**
